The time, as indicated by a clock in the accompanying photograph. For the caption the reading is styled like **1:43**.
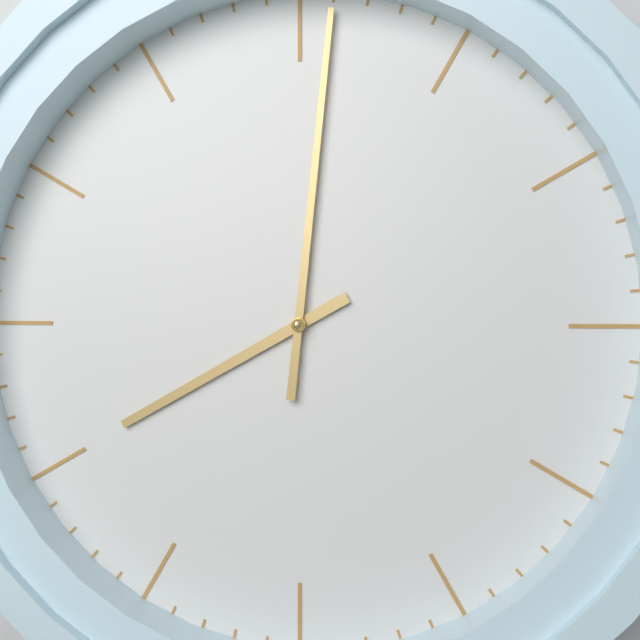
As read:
**8:01**
